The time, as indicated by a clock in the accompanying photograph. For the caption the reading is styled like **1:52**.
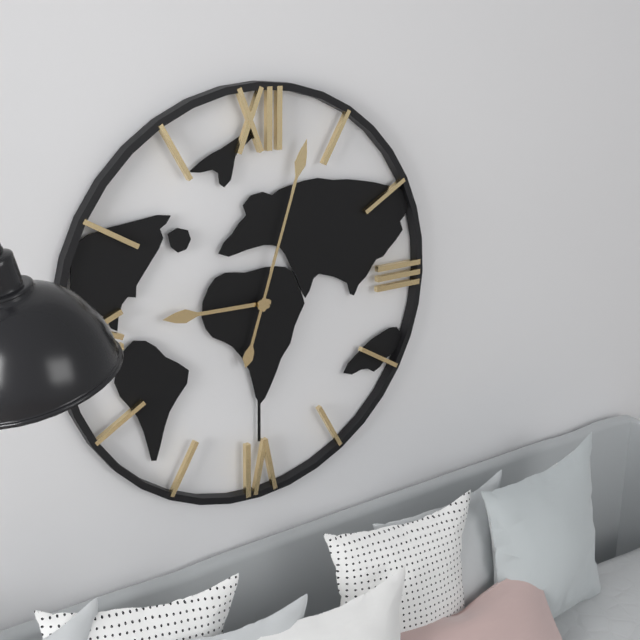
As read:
**9:03**
